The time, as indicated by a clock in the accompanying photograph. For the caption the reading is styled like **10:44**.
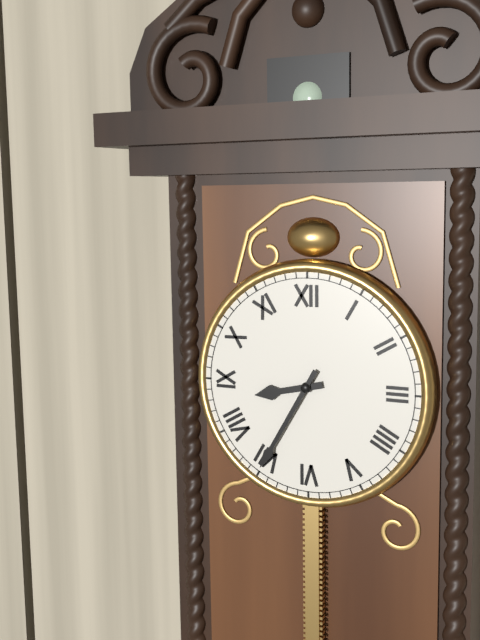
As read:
**8:35**
